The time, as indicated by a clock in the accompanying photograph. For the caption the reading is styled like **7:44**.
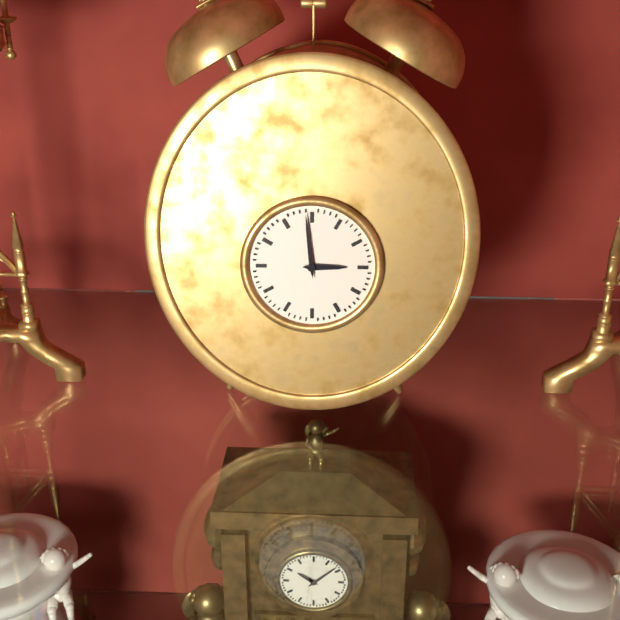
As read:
**2:59**
